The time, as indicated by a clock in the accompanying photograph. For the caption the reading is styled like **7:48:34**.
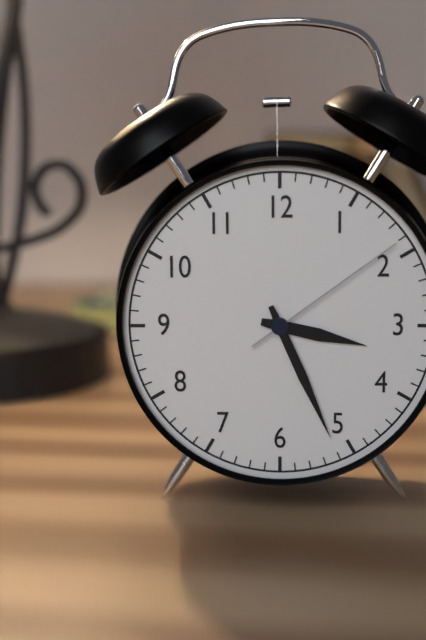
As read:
**3:26:09**
